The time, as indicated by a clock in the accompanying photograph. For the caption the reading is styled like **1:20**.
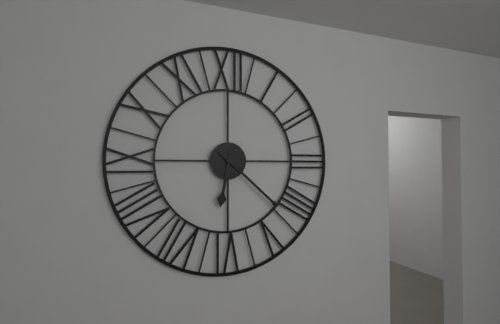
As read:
**6:22**
